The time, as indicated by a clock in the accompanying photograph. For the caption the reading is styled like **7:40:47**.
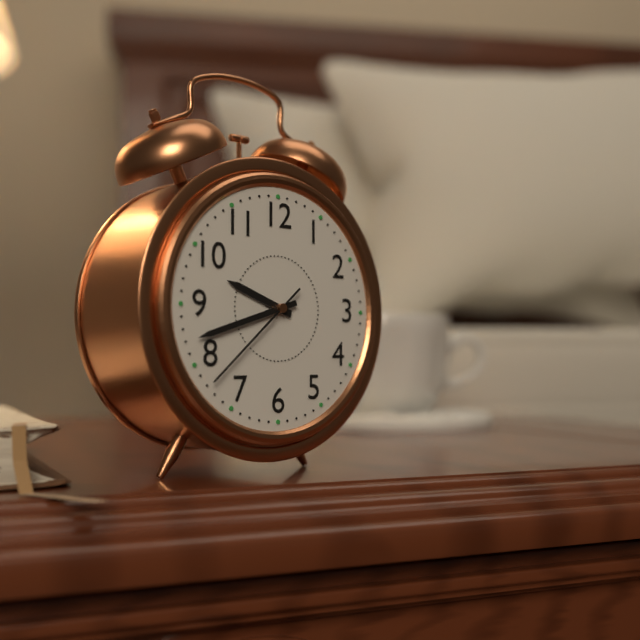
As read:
**9:42:38**
